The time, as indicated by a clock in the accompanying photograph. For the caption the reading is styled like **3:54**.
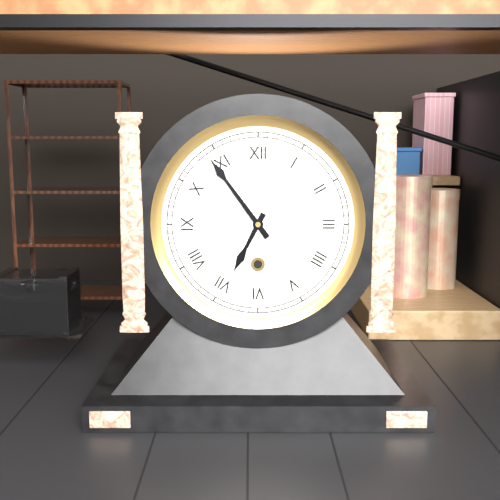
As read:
**6:54**
